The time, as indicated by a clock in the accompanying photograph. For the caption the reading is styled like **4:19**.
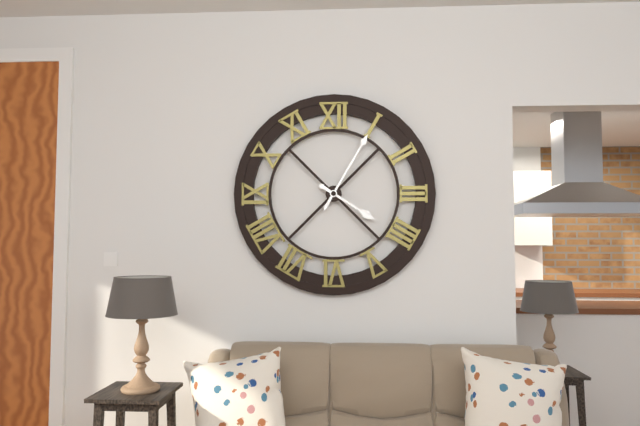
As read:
**4:05**
